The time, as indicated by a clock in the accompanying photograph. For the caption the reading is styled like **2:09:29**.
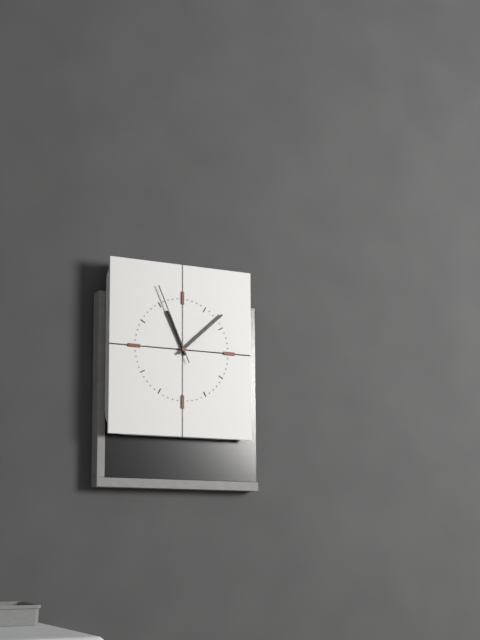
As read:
**11:08:56**
